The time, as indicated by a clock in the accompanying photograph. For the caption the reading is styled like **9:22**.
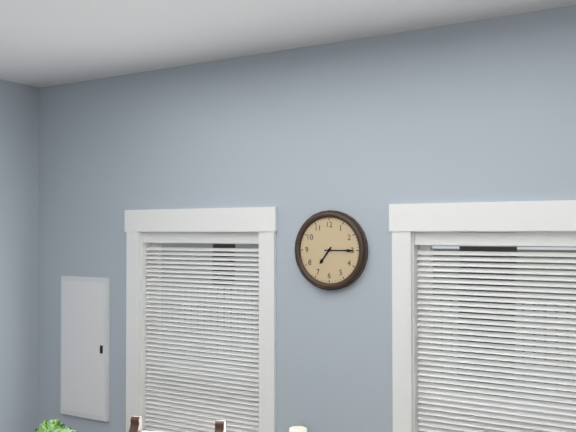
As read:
**7:15**
